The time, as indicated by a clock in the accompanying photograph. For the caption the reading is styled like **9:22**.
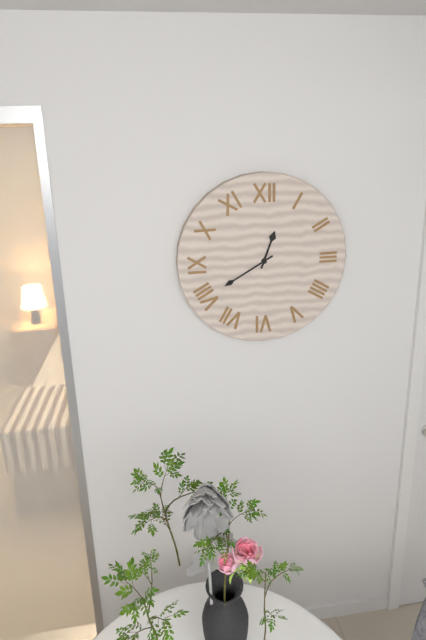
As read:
**12:40**
